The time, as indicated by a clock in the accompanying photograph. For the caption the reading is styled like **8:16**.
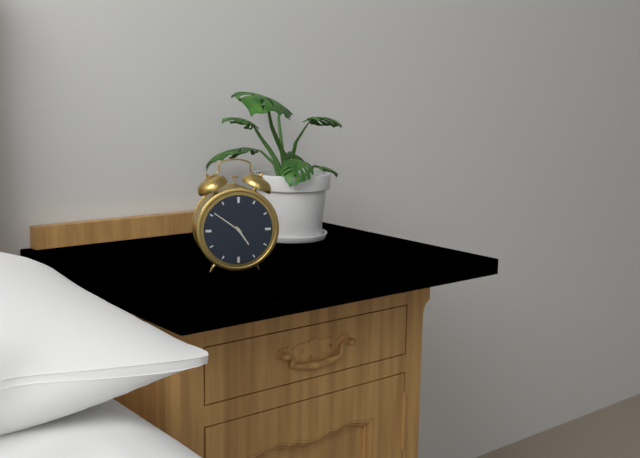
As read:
**4:51**
